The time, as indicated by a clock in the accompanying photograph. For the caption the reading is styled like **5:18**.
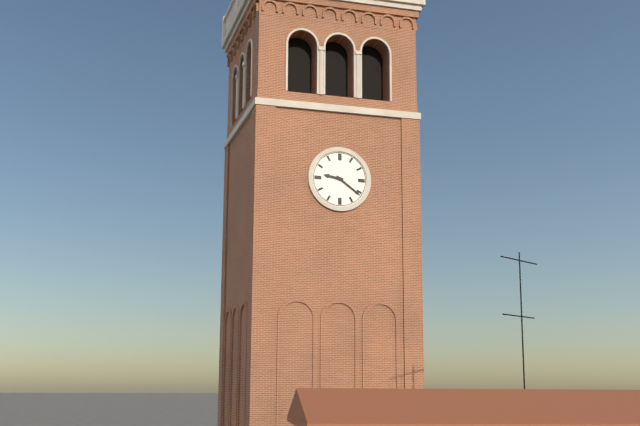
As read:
**9:21**
